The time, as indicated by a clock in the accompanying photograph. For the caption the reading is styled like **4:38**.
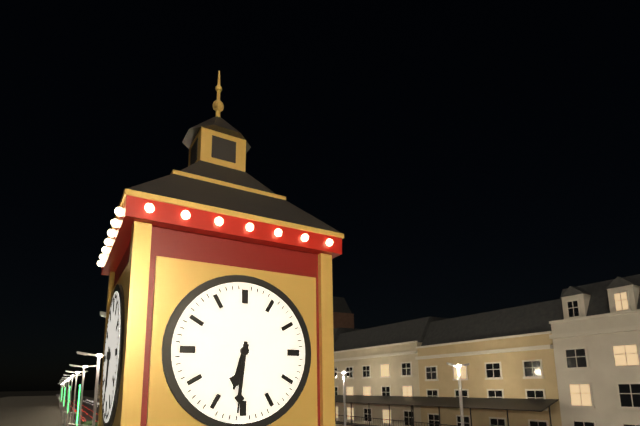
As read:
**6:31**
